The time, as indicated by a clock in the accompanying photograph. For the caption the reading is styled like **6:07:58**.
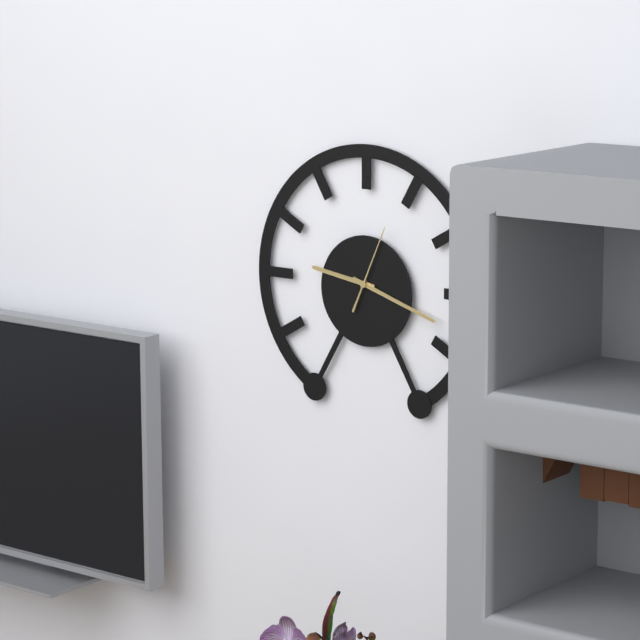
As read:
**9:18:04**
